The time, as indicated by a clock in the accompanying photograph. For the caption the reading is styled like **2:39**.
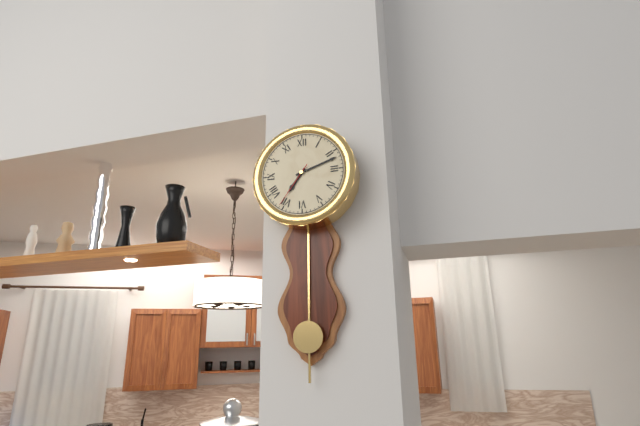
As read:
**7:12**
